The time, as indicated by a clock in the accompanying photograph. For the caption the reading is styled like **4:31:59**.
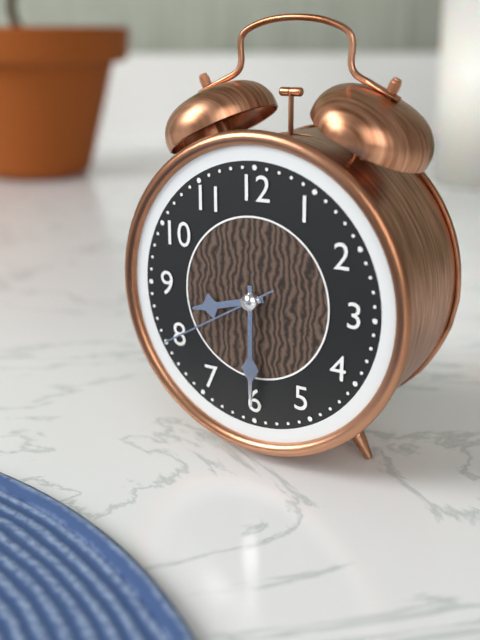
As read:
**8:30:40**
